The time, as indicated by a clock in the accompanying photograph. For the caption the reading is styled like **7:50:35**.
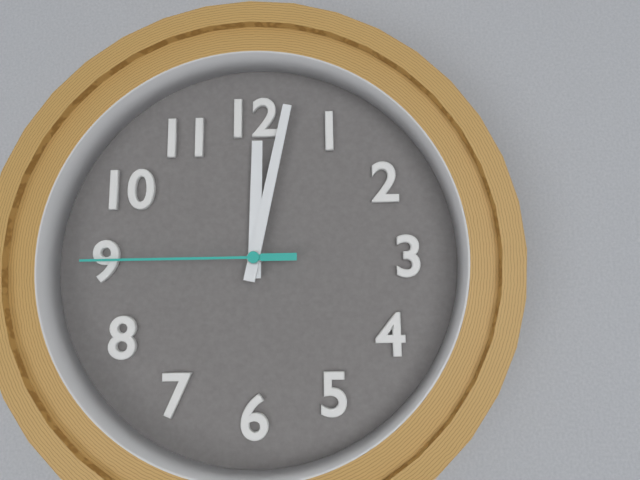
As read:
**12:02:45**
